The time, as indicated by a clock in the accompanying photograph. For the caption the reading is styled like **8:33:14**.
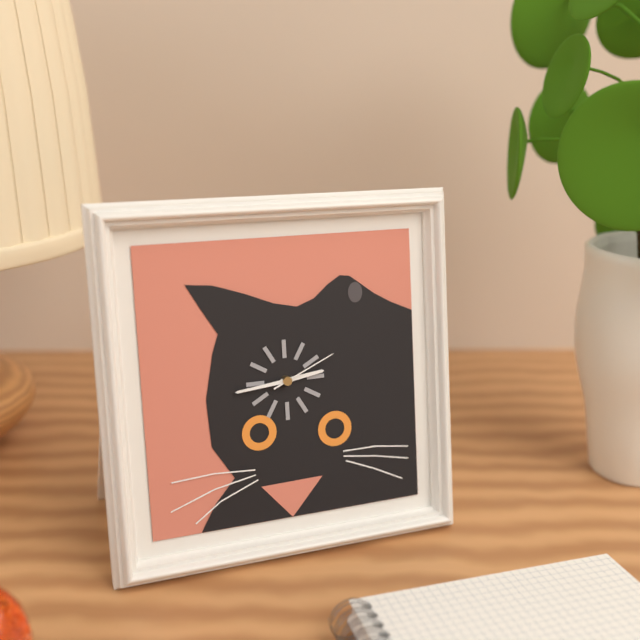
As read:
**2:44:11**
